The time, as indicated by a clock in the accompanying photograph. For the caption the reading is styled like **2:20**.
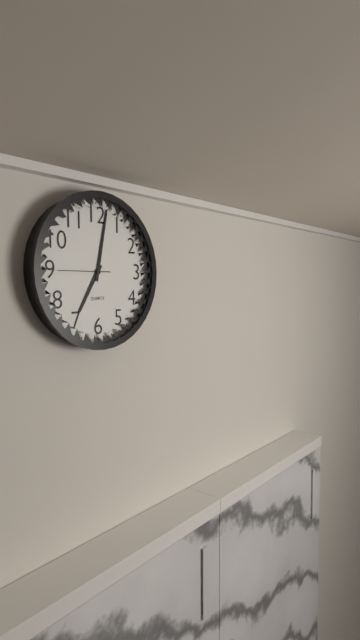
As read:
**7:02**
